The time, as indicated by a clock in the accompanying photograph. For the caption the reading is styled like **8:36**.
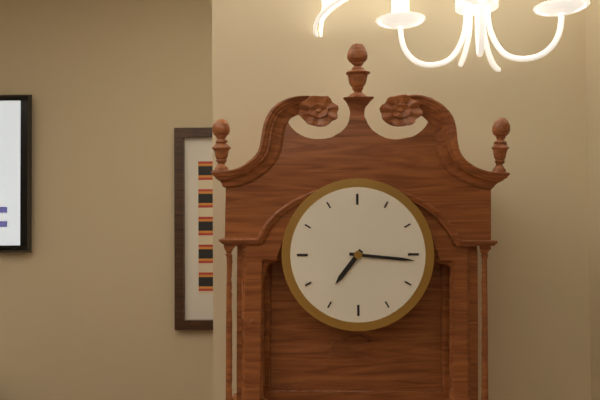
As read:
**7:16**
